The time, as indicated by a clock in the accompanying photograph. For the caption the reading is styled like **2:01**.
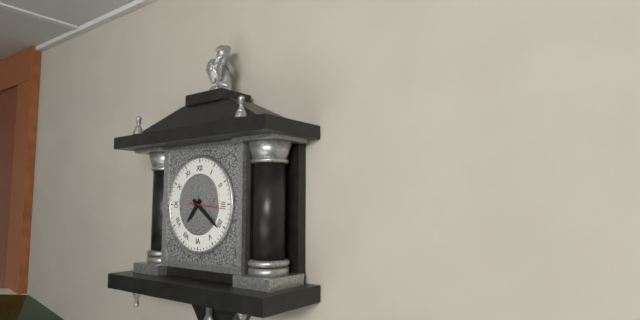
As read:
**7:21**
